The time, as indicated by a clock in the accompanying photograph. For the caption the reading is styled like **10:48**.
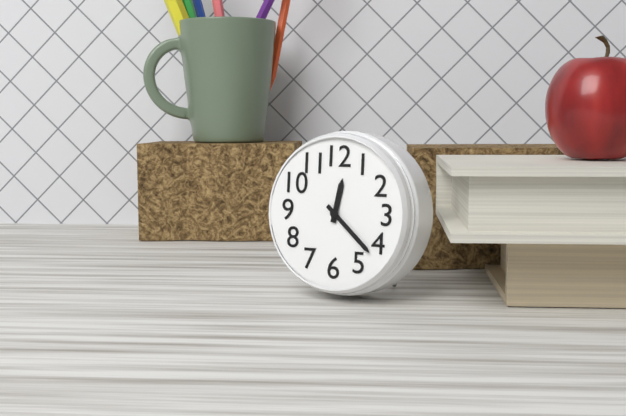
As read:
**12:22**
